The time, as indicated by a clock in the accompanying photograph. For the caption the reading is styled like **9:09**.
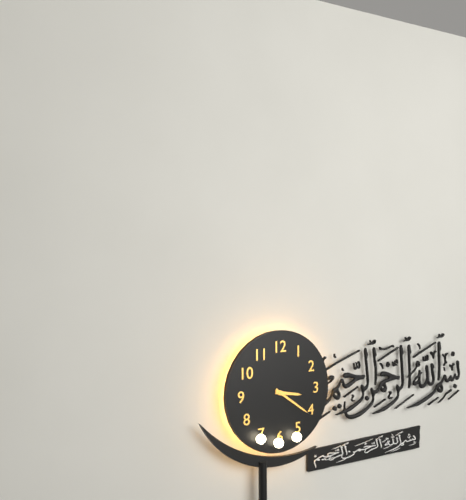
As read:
**3:21**
